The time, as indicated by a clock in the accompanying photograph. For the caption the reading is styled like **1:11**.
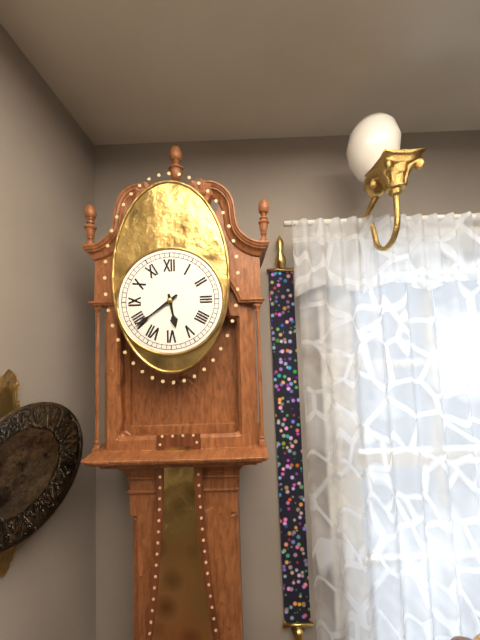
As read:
**5:39**
